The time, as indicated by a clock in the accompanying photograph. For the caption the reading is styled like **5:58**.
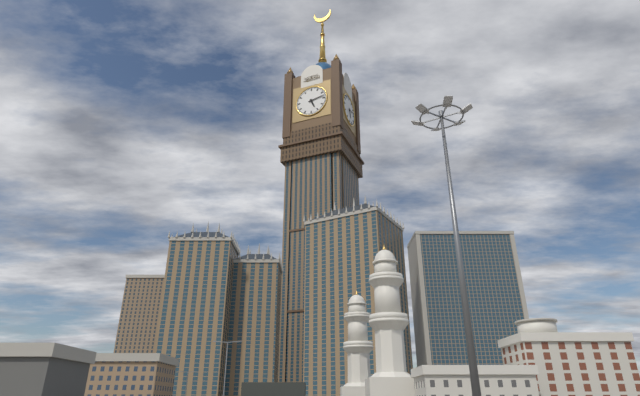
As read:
**5:13**
